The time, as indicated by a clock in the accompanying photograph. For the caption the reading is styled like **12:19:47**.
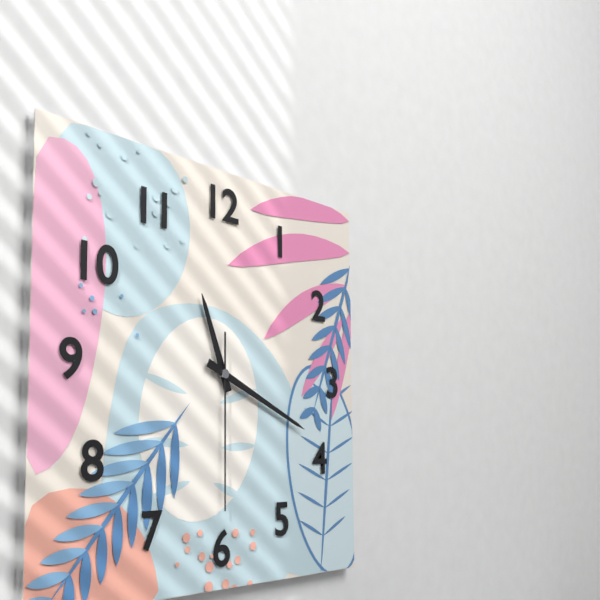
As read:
**11:19:30**
